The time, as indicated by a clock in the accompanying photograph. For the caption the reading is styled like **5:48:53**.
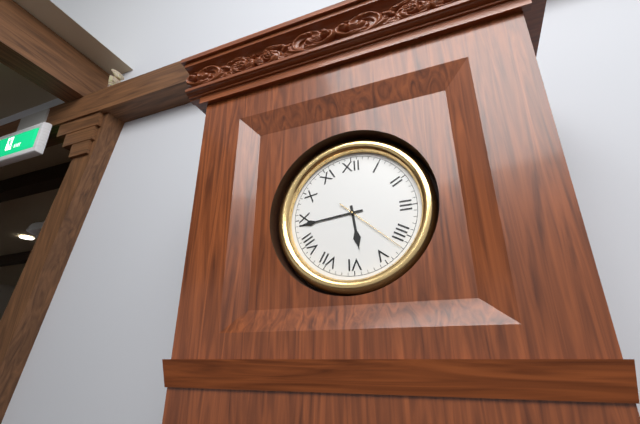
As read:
**5:44:22**
